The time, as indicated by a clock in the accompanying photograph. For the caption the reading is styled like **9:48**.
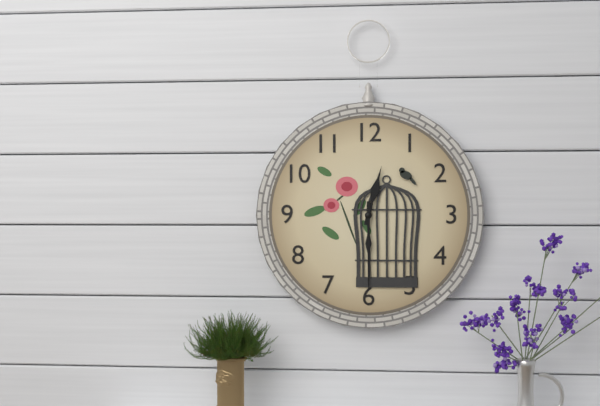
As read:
**12:30**
